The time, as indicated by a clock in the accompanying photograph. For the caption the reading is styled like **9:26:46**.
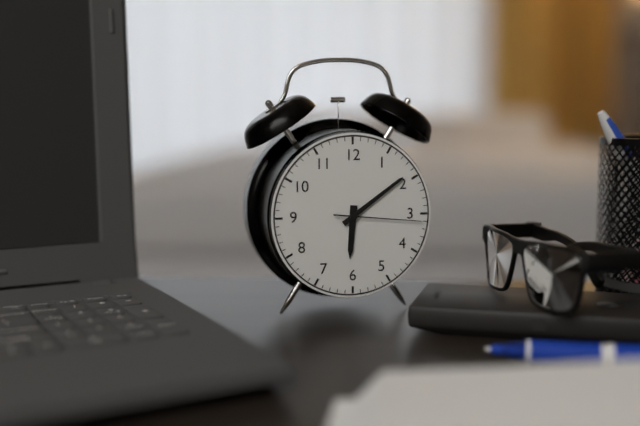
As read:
**6:09:16**
